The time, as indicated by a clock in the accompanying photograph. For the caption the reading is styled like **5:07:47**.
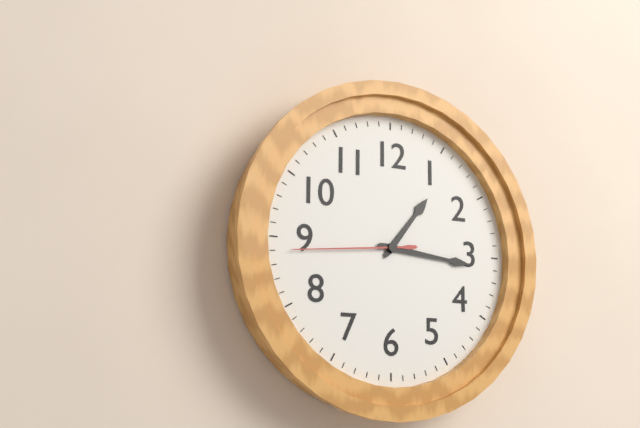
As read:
**1:16:44**
